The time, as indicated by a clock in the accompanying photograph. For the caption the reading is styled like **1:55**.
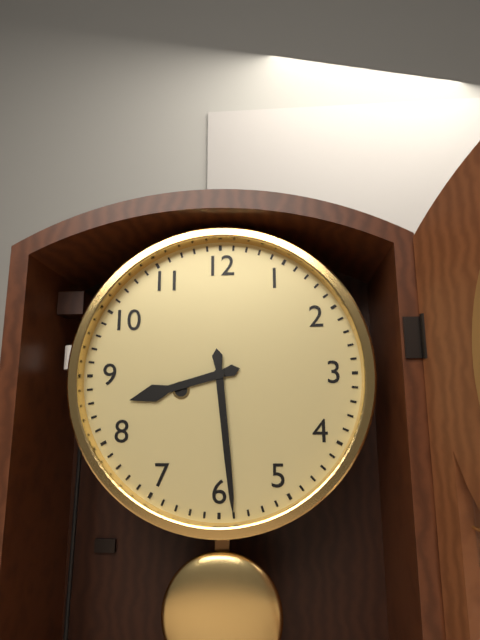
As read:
**8:29**
